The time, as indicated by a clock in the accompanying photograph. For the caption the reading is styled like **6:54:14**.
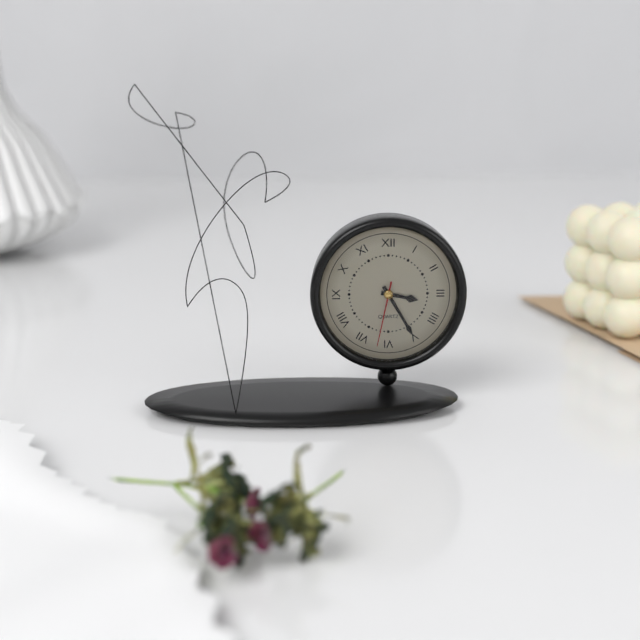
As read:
**3:25:32**
